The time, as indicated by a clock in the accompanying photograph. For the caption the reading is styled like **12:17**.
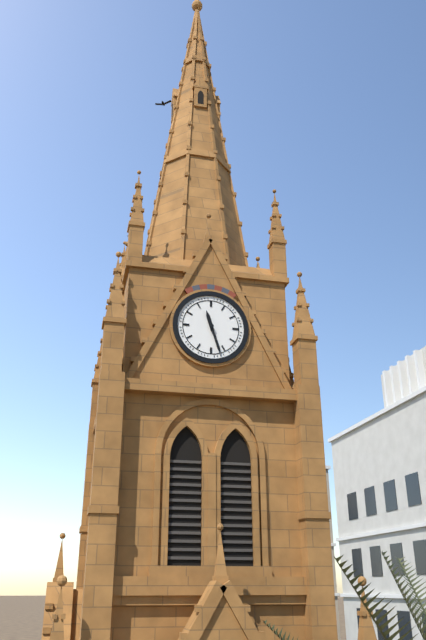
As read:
**11:27**
